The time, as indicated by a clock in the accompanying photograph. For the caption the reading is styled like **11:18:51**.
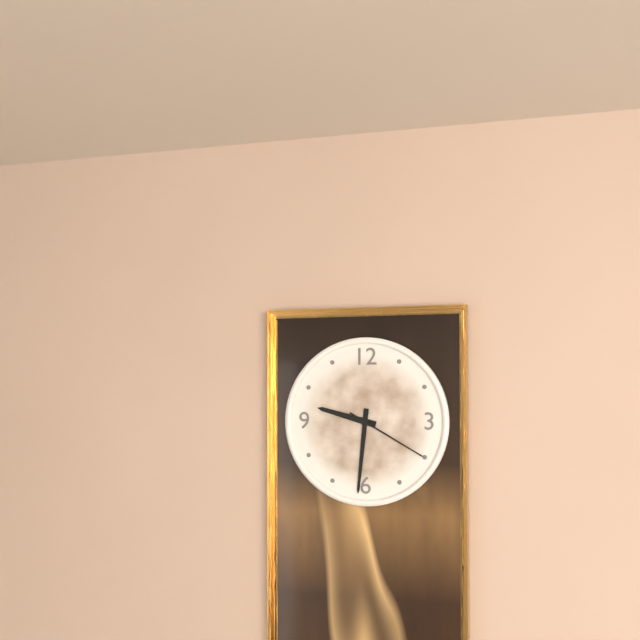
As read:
**9:31:20**
